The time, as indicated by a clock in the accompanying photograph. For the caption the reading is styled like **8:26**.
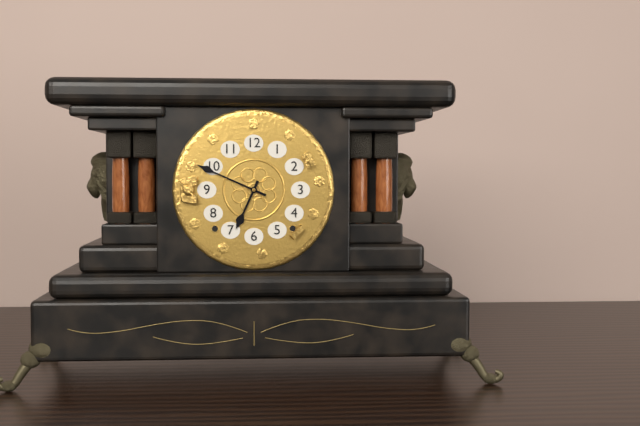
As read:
**6:49**
